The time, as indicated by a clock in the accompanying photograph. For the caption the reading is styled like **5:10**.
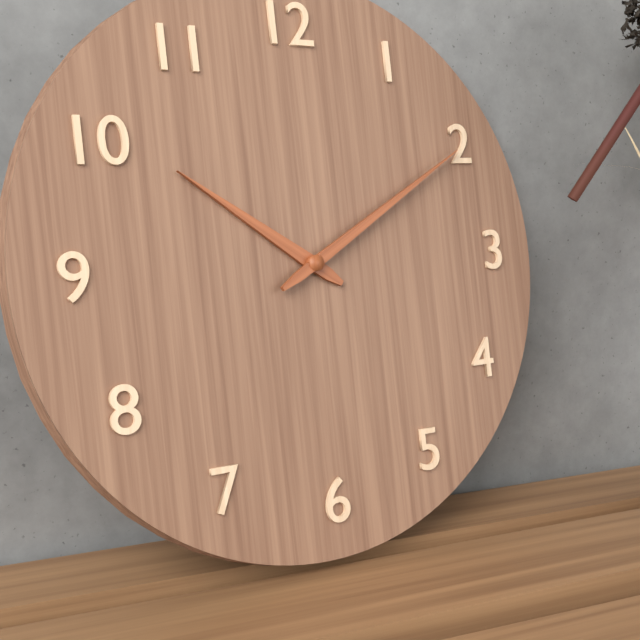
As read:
**10:10**
